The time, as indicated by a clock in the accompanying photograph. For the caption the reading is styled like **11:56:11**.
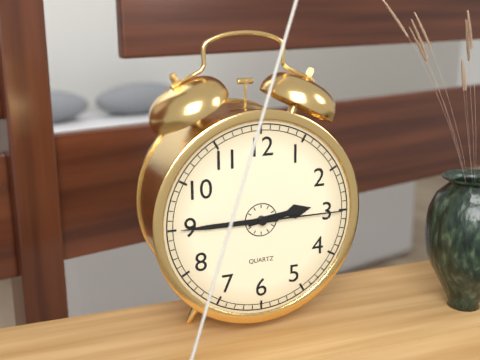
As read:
**2:45:15**
